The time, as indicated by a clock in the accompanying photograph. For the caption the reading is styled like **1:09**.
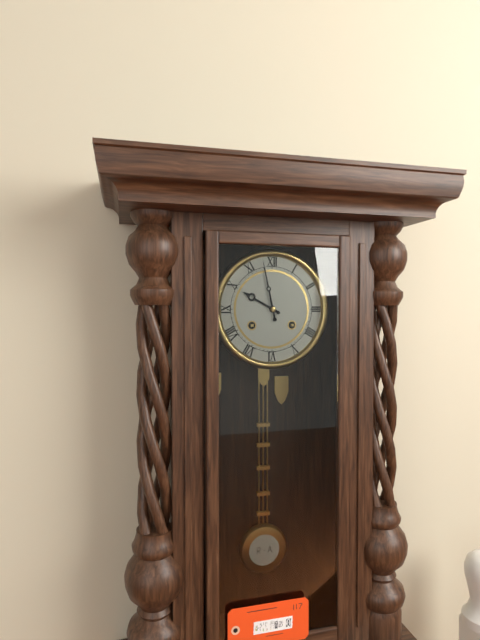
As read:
**9:58**
